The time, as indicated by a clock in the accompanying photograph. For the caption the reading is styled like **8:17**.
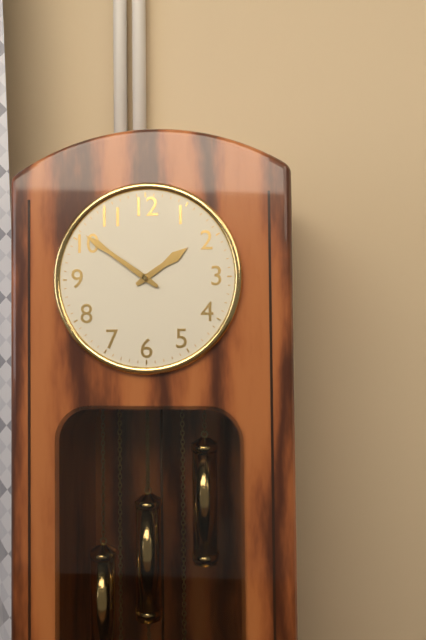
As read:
**1:51**
